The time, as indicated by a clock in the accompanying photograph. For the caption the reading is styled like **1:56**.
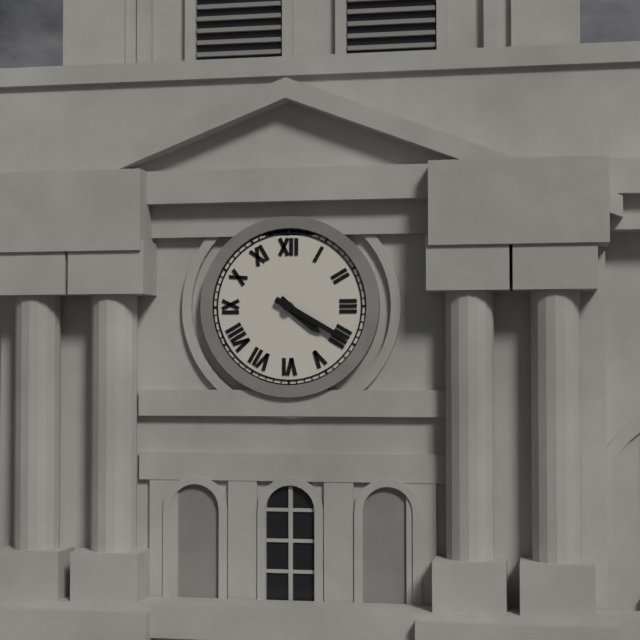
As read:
**4:20**
